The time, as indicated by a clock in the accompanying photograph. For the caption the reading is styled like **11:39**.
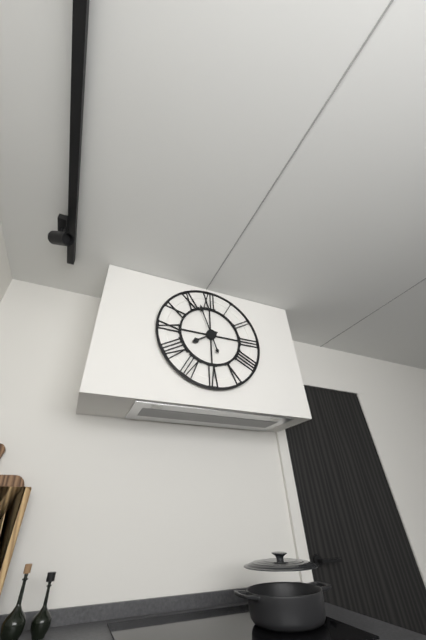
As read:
**7:57**
